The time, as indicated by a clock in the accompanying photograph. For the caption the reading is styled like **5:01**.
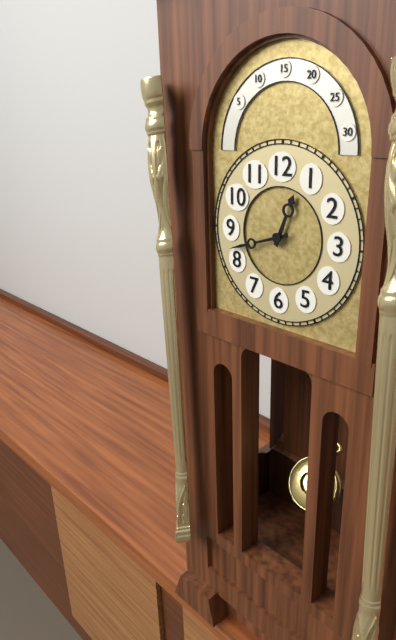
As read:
**12:42**
